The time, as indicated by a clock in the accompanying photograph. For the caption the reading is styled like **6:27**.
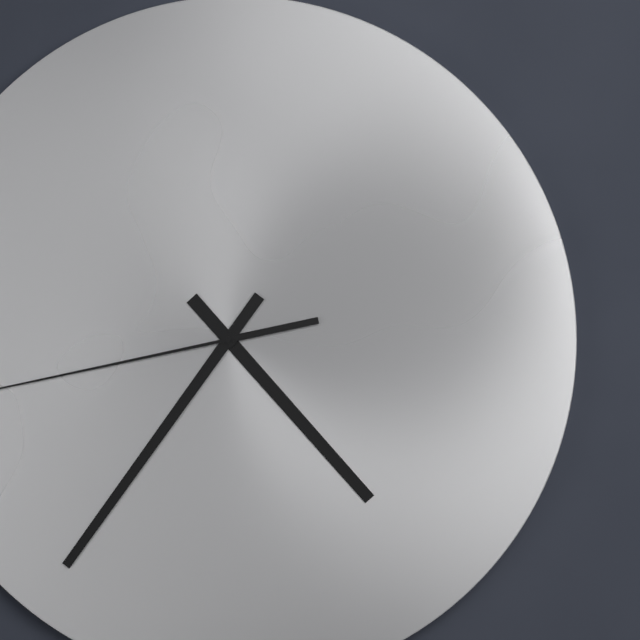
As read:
**4:36**
